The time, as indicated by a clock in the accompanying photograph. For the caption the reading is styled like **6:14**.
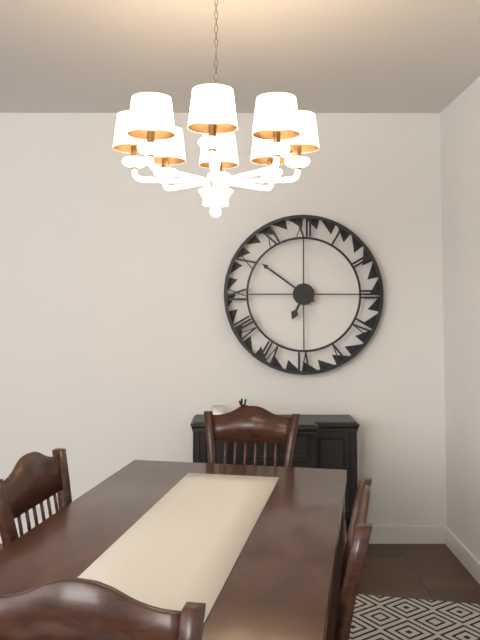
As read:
**6:51**
